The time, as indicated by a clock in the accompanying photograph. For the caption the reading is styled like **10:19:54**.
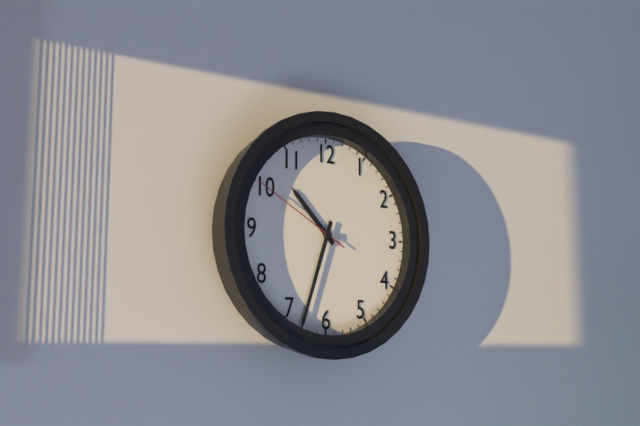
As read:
**10:33:50**
